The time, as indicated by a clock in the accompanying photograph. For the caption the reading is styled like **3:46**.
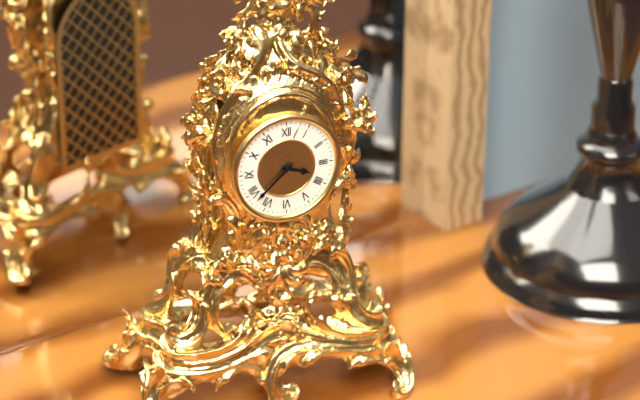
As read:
**3:38**
